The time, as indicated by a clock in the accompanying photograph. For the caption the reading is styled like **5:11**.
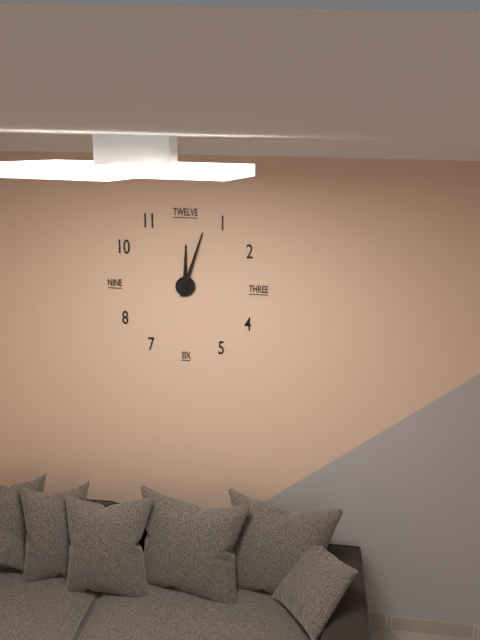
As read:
**12:03**
